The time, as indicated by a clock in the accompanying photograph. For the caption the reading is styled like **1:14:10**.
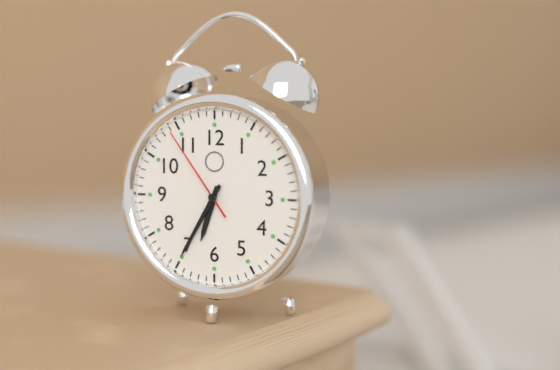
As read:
**6:35:54**
